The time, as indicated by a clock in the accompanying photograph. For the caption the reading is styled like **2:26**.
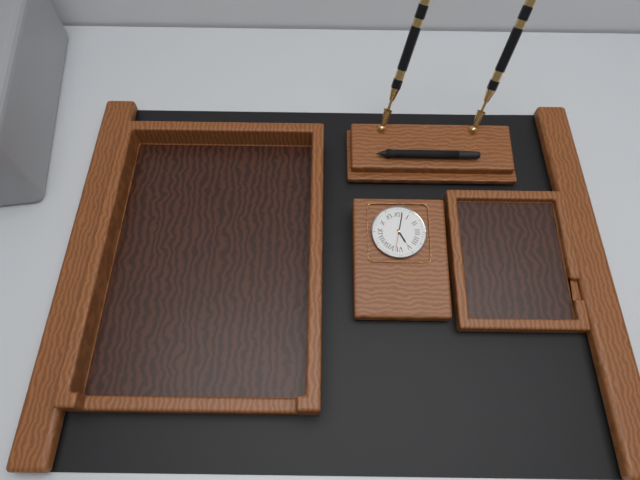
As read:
**5:02**
